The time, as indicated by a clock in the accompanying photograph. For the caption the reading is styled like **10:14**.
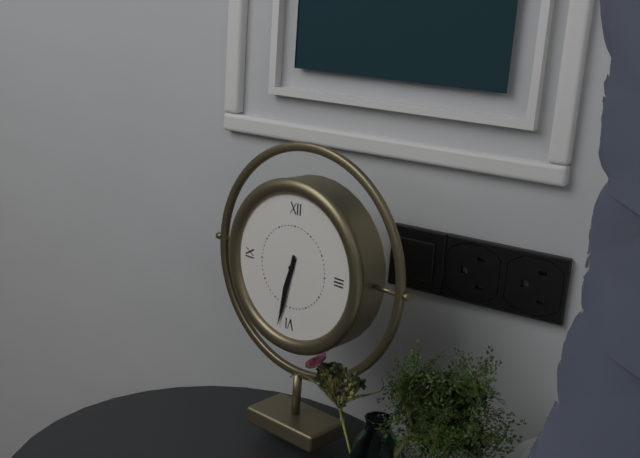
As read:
**6:32**
